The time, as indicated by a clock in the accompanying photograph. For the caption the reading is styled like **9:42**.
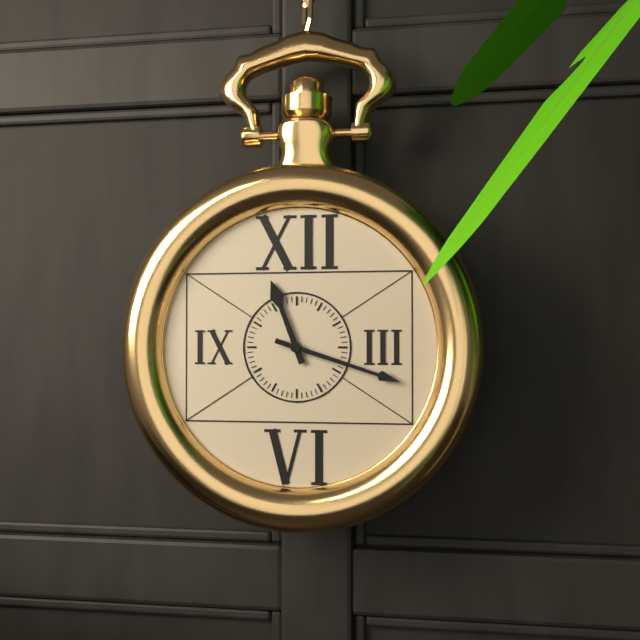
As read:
**11:18**
